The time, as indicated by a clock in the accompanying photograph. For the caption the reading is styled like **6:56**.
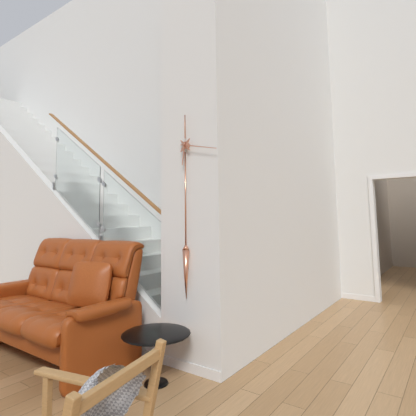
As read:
**6:17**
